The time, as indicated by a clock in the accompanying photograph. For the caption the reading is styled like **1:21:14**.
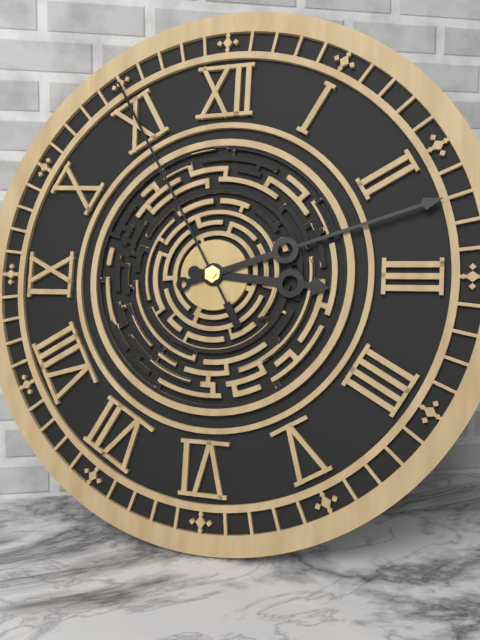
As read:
**3:12:55**
